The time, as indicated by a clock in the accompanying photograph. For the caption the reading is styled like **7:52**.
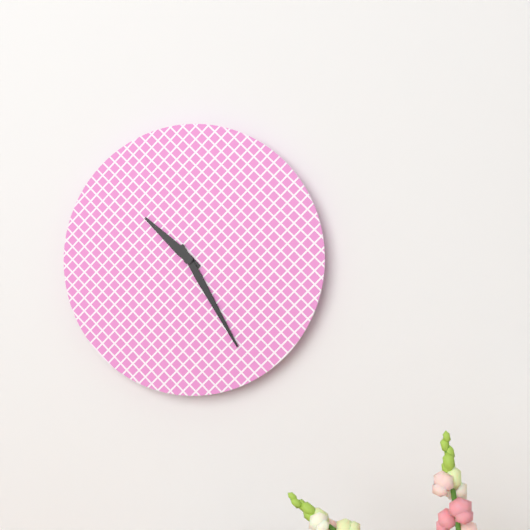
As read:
**10:25**
